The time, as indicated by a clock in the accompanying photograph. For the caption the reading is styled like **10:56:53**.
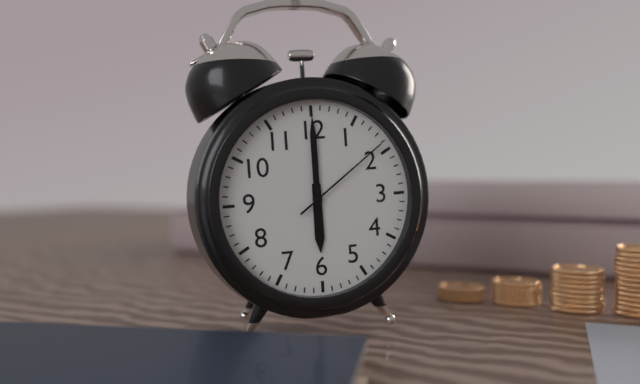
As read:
**6:00:09**
